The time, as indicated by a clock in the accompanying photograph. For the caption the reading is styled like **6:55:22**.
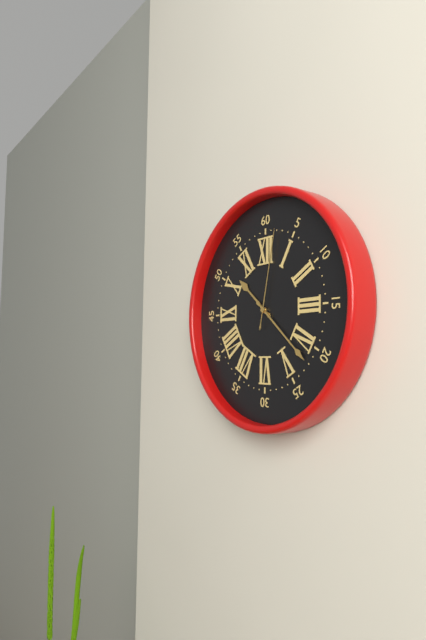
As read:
**10:22:02**
